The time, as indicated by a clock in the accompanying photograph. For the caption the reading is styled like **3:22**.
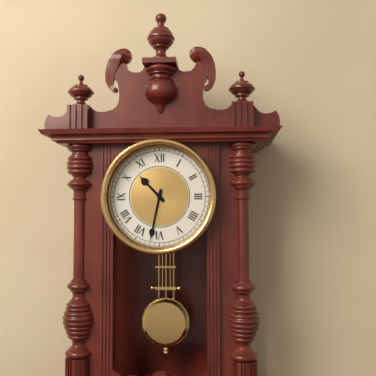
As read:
**10:32**
